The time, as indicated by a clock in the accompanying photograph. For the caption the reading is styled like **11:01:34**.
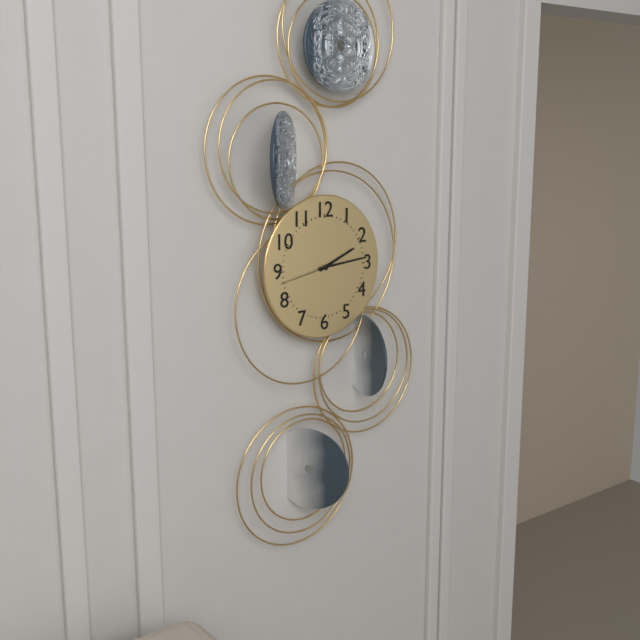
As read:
**2:14:43**
